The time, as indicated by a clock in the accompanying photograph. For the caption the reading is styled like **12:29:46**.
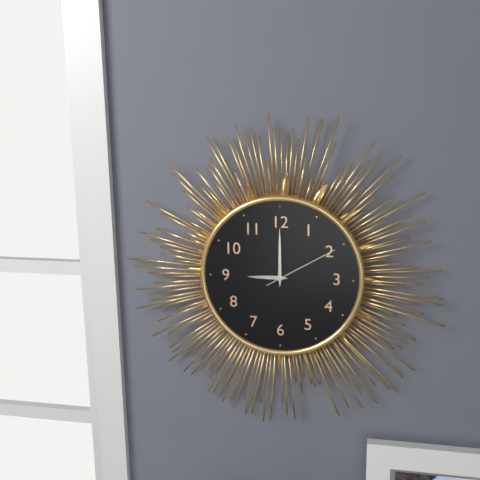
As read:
**9:00:10**
